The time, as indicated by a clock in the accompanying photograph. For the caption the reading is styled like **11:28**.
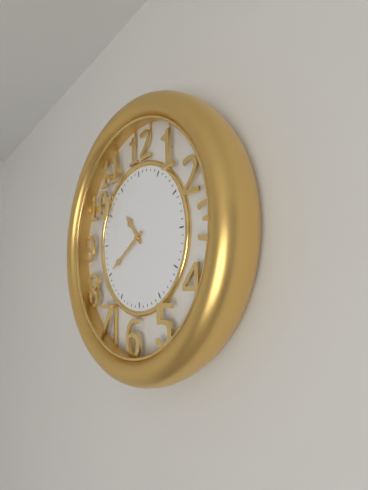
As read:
**10:40**
